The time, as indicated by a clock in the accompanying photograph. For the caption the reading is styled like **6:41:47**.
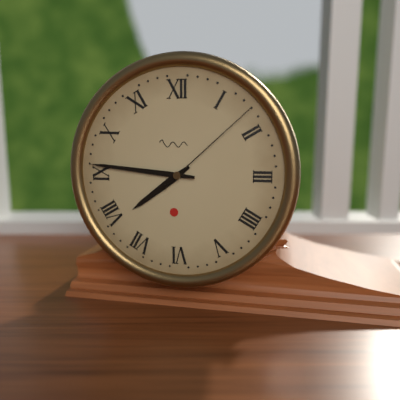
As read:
**7:46:08**
